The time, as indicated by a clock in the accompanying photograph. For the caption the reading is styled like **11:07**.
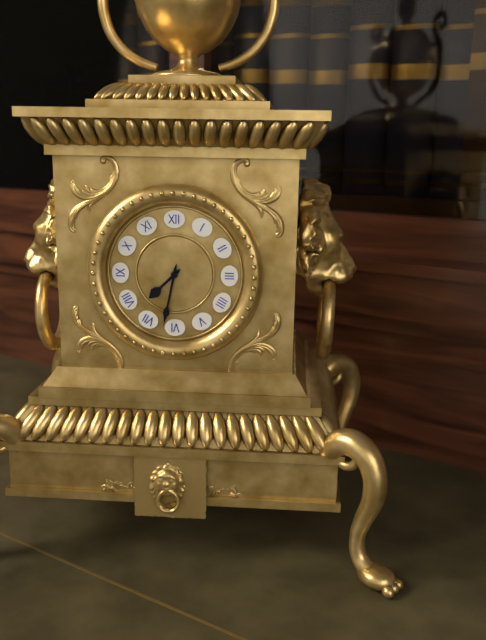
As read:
**7:32**
